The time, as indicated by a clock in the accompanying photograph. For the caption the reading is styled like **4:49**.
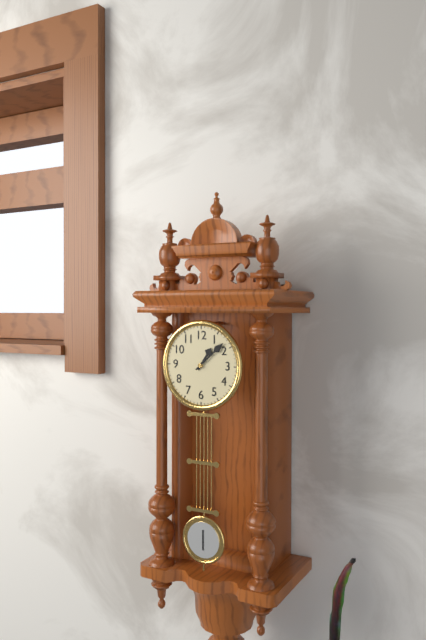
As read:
**1:08**
